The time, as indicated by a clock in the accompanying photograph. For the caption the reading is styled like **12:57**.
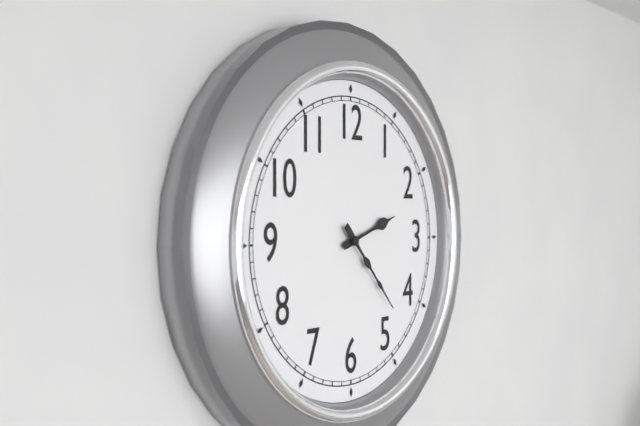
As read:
**2:23**
